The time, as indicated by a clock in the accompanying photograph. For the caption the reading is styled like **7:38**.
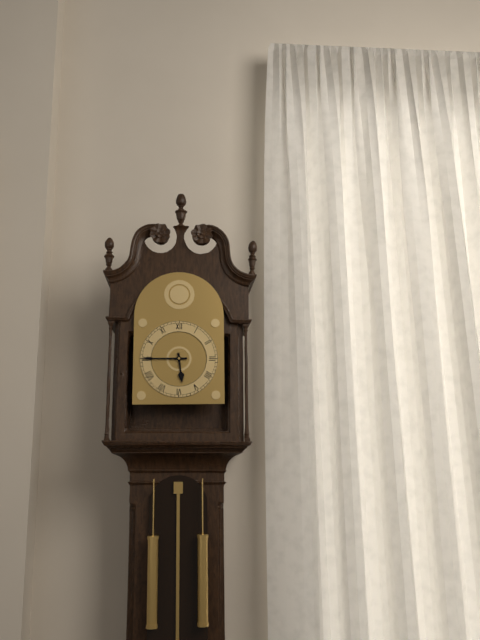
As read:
**5:45**
